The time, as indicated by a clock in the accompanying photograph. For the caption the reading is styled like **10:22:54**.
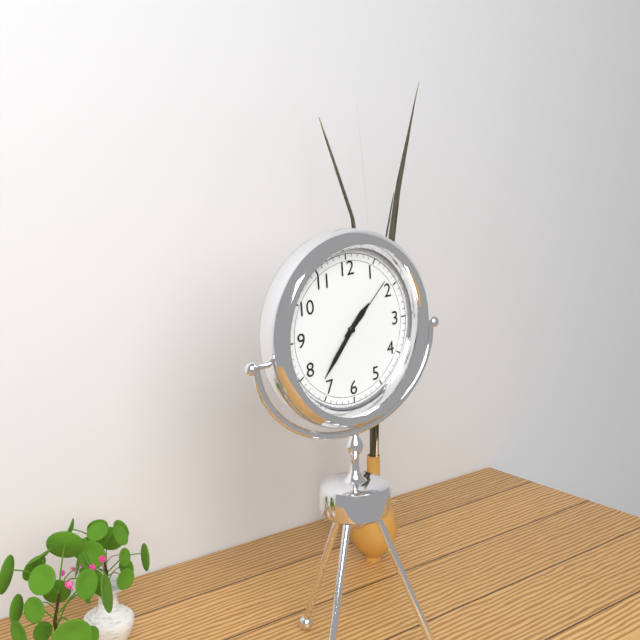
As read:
**1:37:08**
